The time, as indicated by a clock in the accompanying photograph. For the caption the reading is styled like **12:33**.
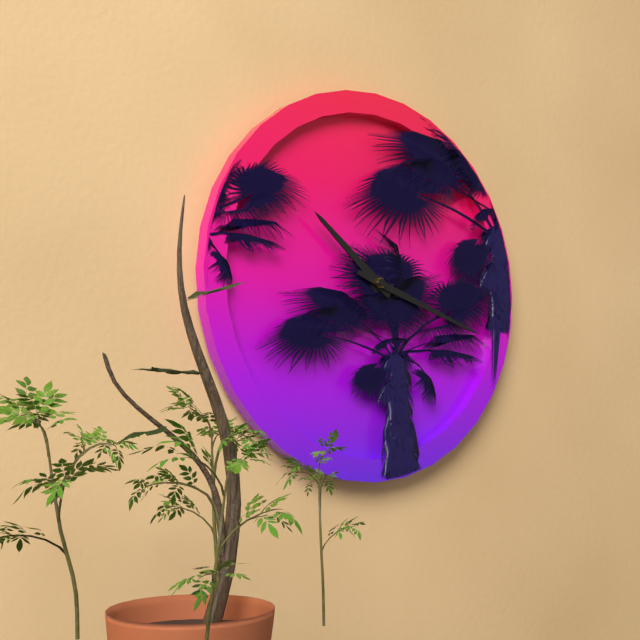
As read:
**10:18**
